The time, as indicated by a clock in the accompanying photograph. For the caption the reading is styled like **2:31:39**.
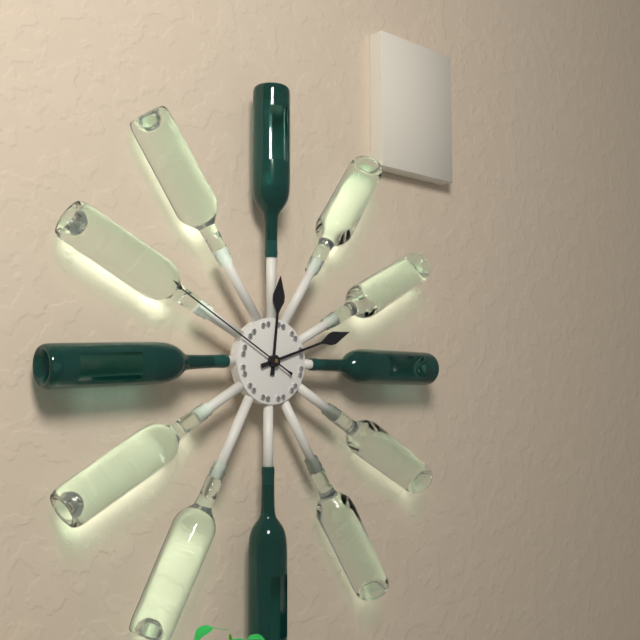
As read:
**12:12:50**
